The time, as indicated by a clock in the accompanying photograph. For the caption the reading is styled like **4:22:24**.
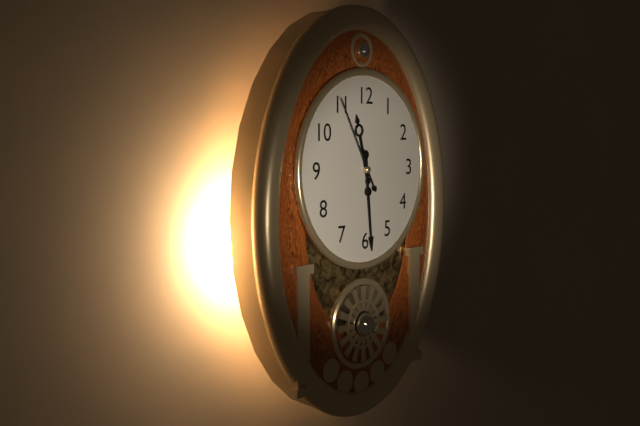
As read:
**11:29:55**
